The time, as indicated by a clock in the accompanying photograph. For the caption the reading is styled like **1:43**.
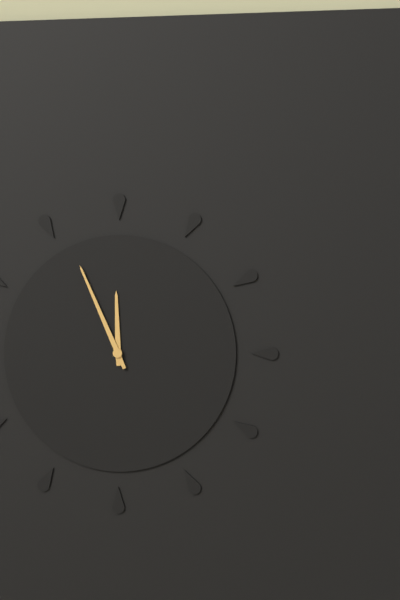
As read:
**11:56**
